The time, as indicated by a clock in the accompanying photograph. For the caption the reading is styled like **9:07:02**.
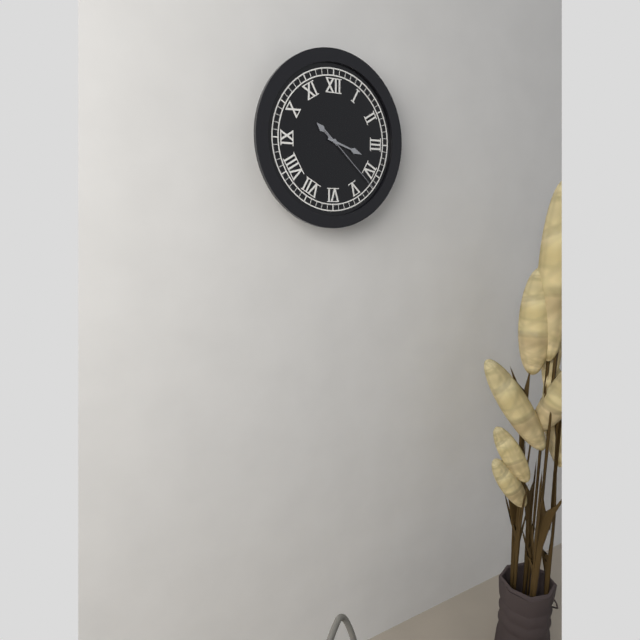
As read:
**10:18:22**
